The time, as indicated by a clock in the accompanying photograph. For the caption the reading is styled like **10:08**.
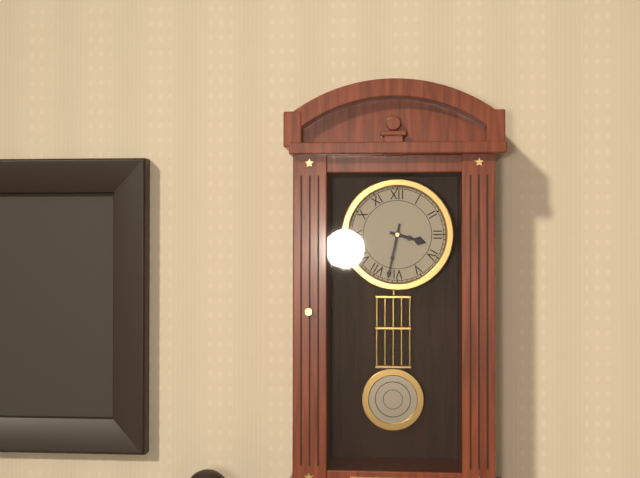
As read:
**3:32**
